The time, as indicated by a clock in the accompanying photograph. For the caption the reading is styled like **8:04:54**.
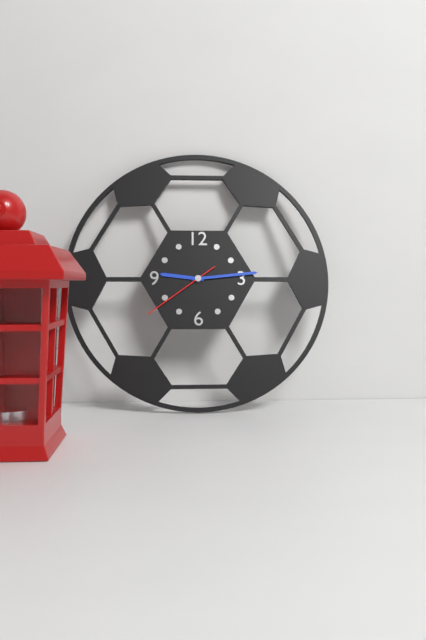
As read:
**9:14:39**
